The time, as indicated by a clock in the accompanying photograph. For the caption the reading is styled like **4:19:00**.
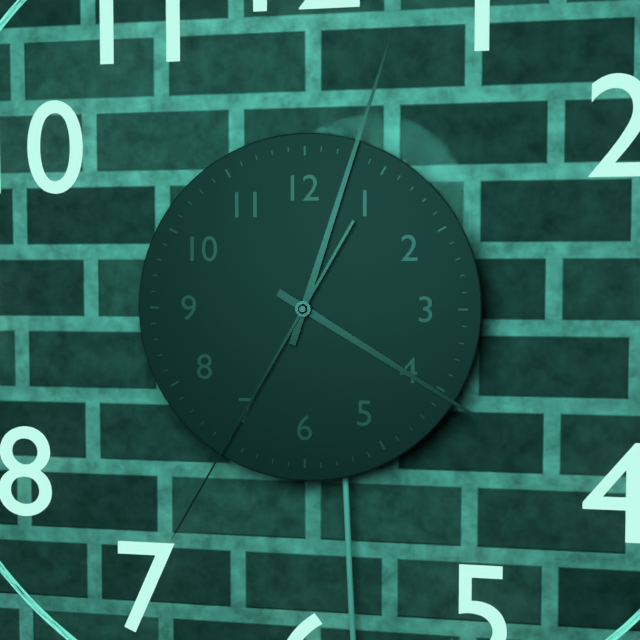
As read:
**4:03:35**
